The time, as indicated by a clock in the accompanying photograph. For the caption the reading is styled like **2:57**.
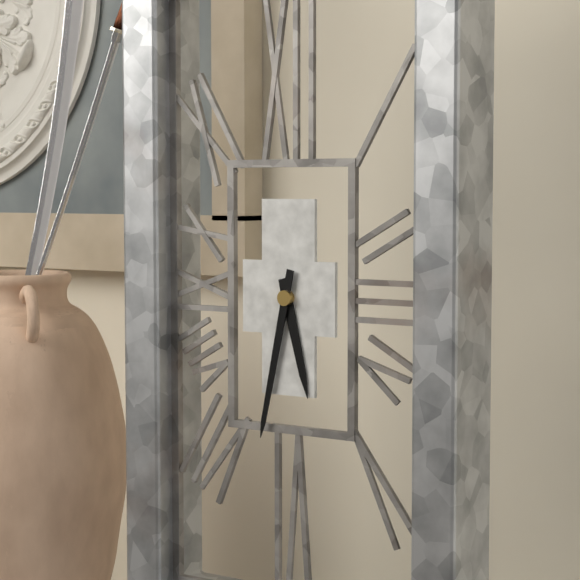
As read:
**5:32**
